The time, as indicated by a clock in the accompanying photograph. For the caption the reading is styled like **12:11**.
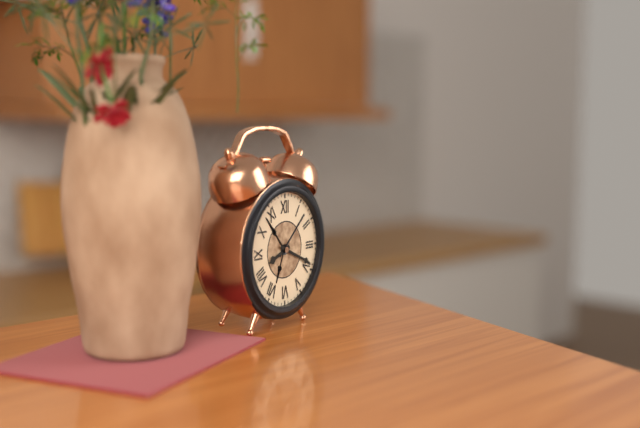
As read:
**8:19**
